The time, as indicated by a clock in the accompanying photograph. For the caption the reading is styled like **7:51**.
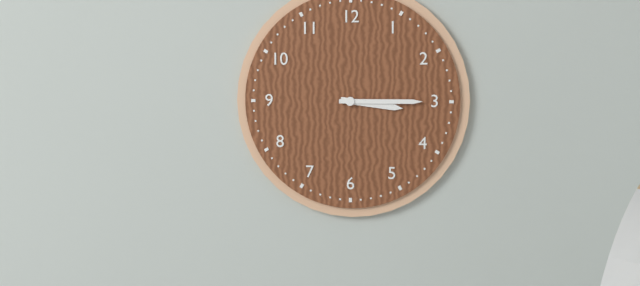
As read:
**3:15**
